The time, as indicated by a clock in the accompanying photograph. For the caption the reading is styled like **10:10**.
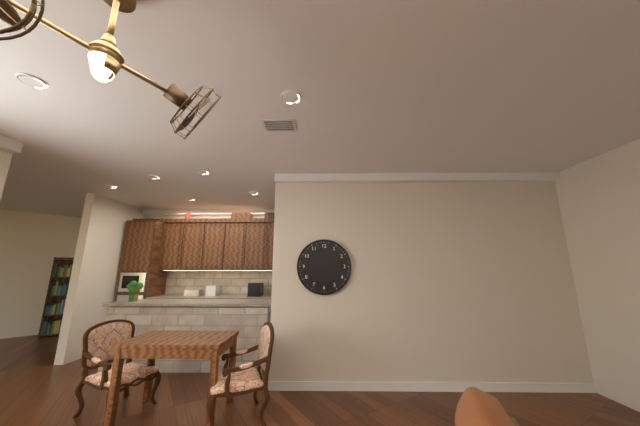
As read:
**3:12**
